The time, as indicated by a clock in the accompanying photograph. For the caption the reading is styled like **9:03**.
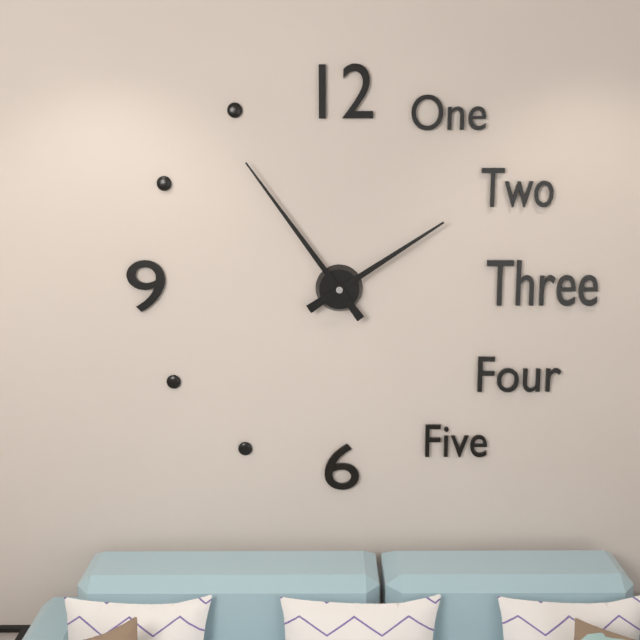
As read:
**1:54**
